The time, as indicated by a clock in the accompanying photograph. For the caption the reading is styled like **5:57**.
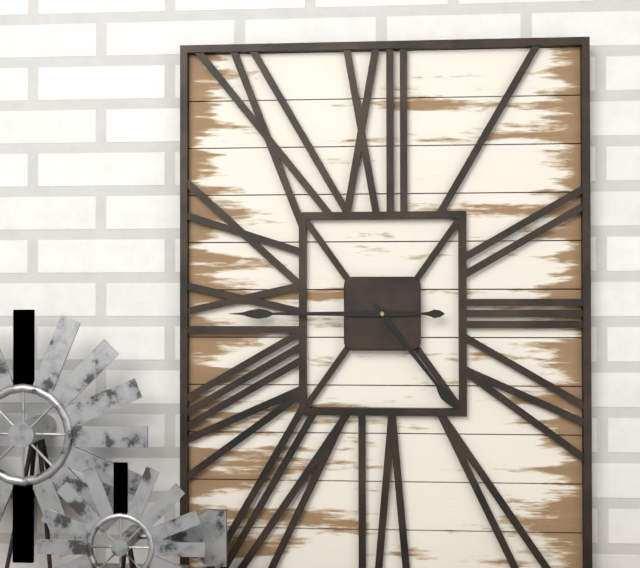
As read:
**4:45**
